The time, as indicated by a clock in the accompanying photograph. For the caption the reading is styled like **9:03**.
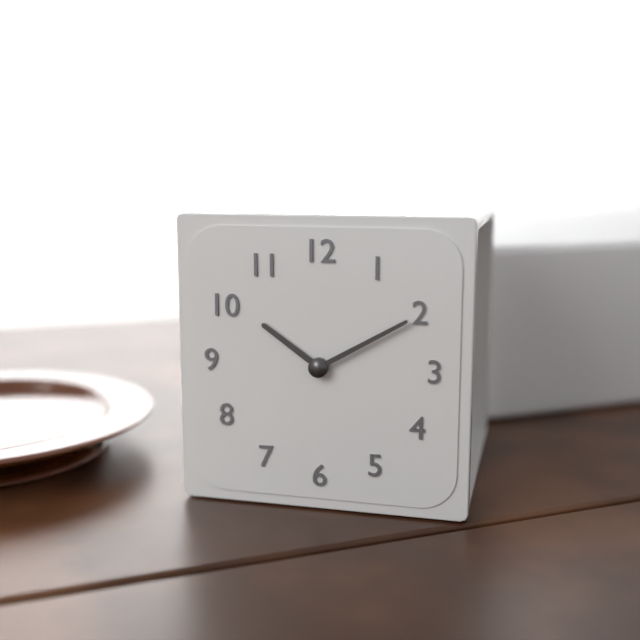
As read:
**10:10**
